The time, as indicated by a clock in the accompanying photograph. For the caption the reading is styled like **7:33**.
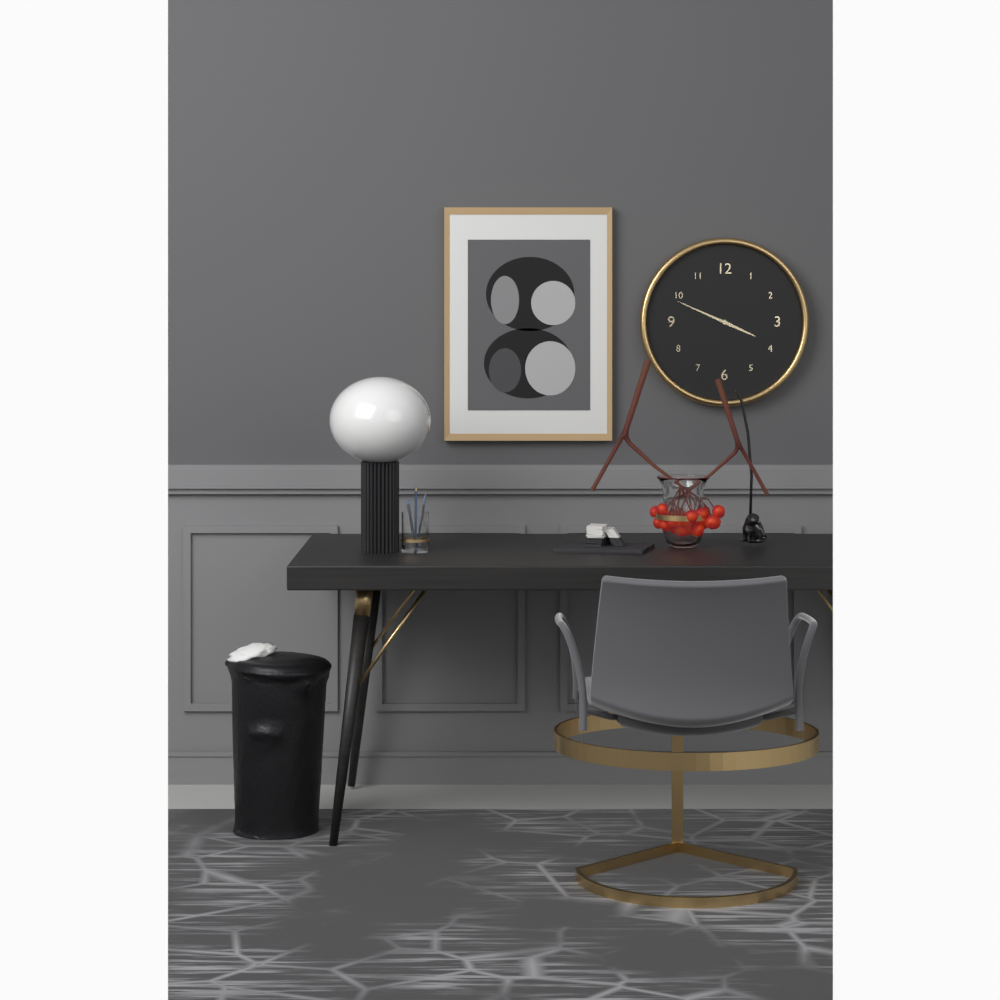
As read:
**3:49**
